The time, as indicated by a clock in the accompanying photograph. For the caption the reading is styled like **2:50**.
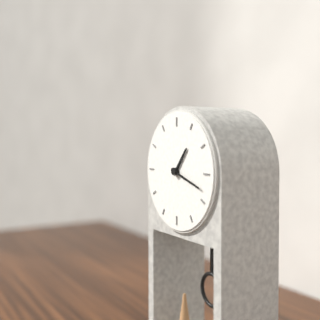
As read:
**1:18**
